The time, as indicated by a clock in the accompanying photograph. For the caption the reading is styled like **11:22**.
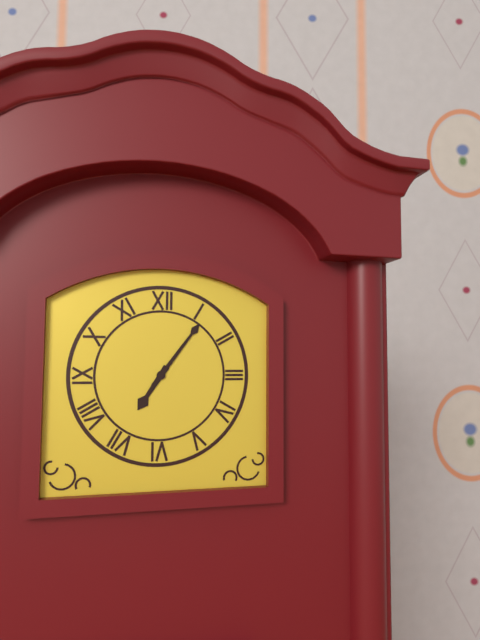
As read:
**7:06**
